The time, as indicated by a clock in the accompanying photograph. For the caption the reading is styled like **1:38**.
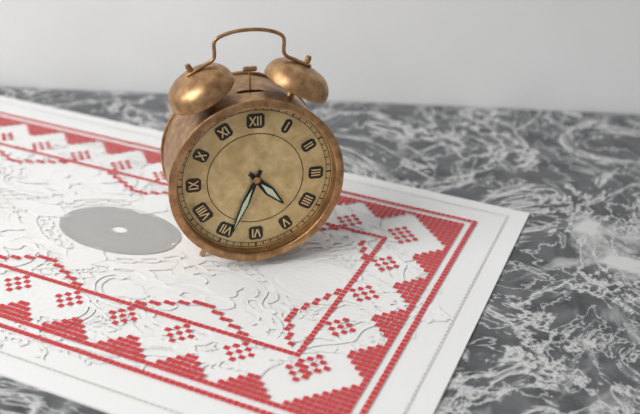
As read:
**4:34**
